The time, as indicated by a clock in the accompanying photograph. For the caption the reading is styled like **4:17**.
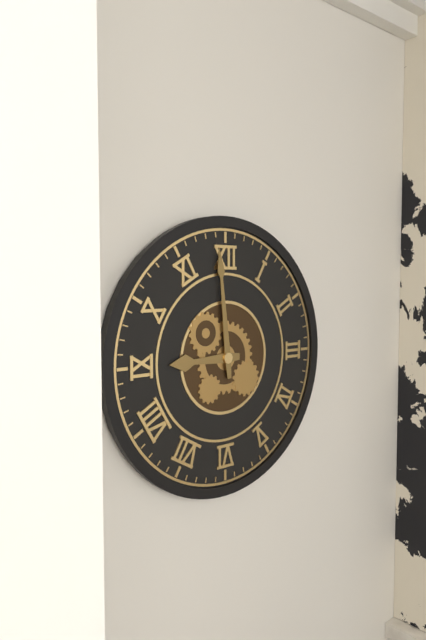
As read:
**8:59**
